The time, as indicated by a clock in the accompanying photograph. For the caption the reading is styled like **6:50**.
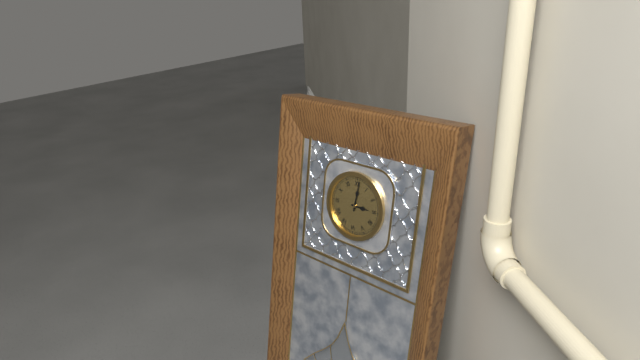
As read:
**3:01**
